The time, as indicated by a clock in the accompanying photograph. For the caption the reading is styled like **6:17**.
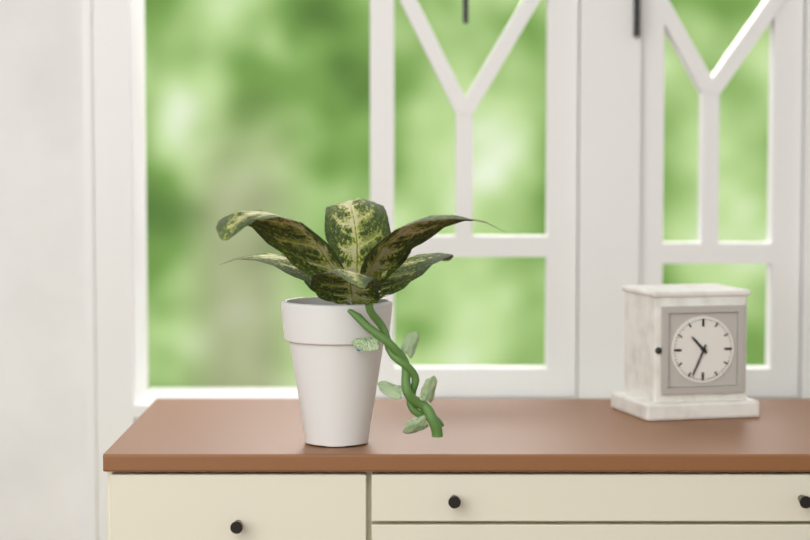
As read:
**10:34**
